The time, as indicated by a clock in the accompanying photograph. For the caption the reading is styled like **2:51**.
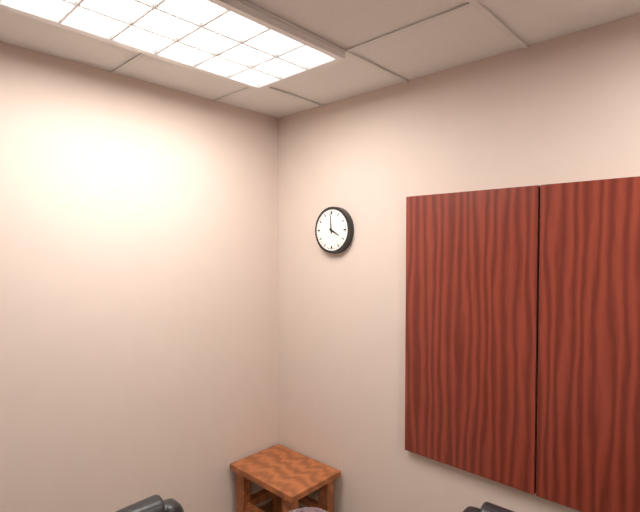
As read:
**3:59**
